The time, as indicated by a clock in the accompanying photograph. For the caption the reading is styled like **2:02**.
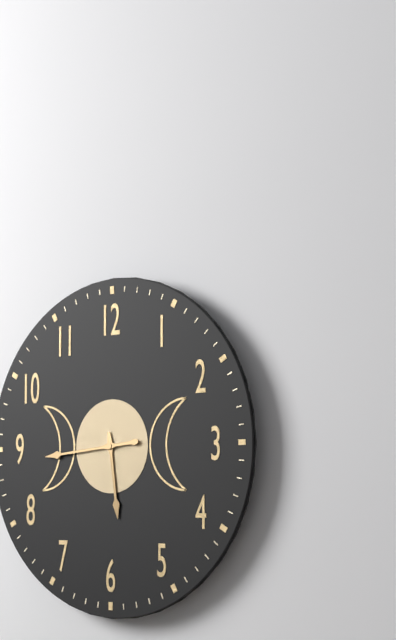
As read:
**5:44**
